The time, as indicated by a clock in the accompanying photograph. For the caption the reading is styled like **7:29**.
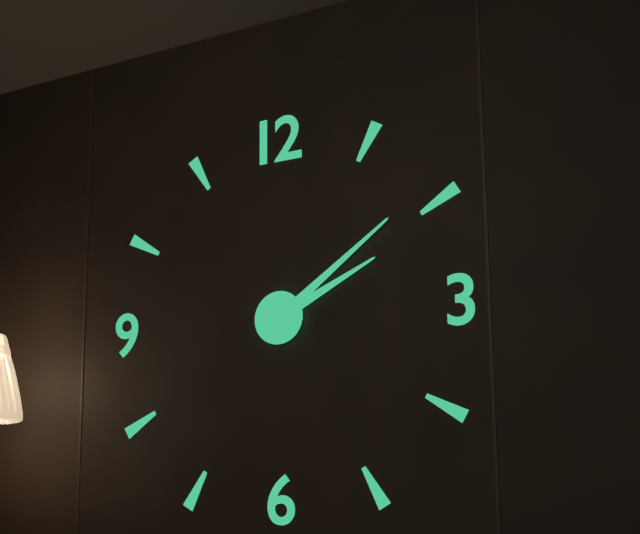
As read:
**2:09**
